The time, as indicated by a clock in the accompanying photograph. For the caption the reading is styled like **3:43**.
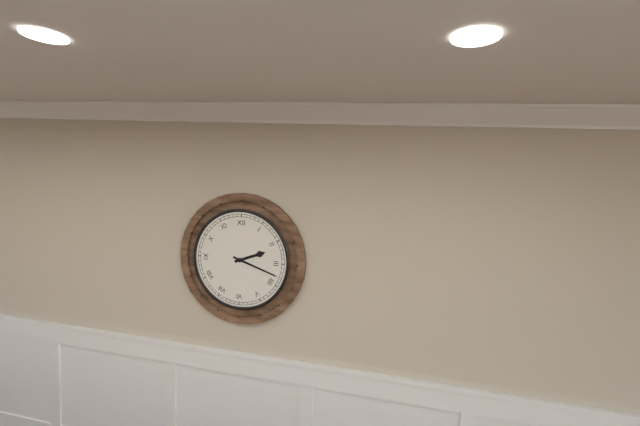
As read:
**2:18**
